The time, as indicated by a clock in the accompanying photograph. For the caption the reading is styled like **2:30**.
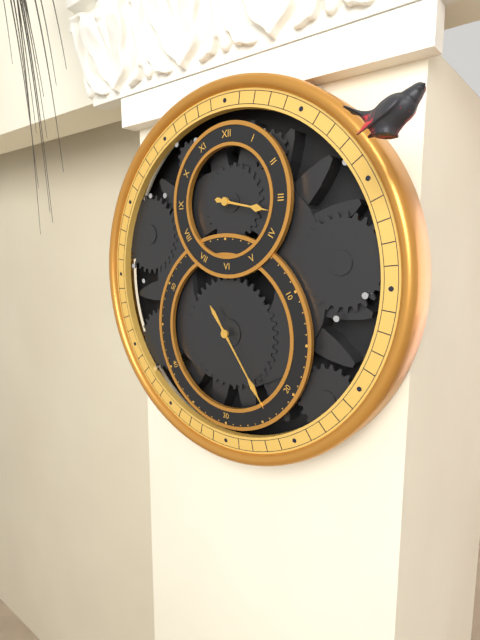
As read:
**3:24**
